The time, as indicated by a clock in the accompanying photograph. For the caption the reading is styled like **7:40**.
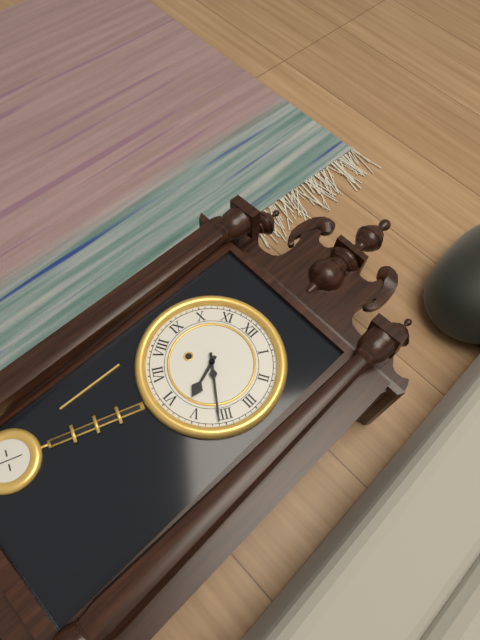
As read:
**5:21**
